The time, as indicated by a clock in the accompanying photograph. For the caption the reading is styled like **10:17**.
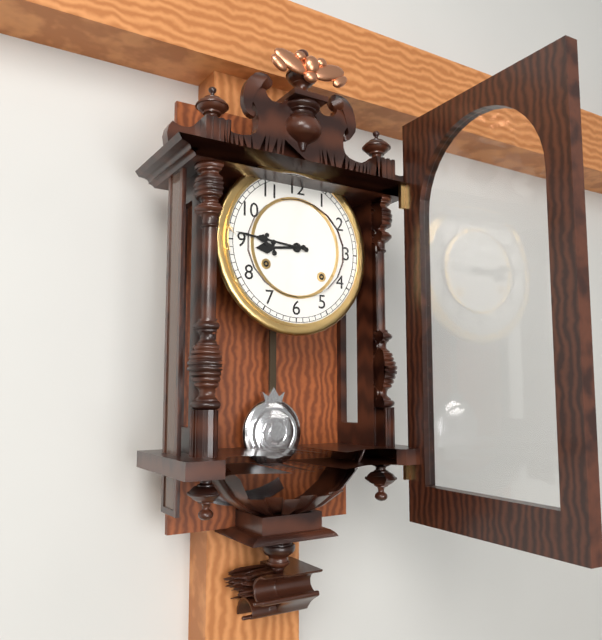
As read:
**8:46**
